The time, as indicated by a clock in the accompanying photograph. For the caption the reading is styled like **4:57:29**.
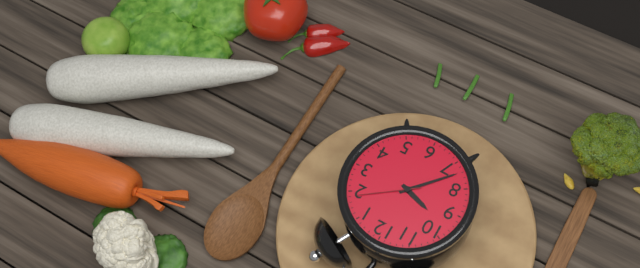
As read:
**9:37:09**
